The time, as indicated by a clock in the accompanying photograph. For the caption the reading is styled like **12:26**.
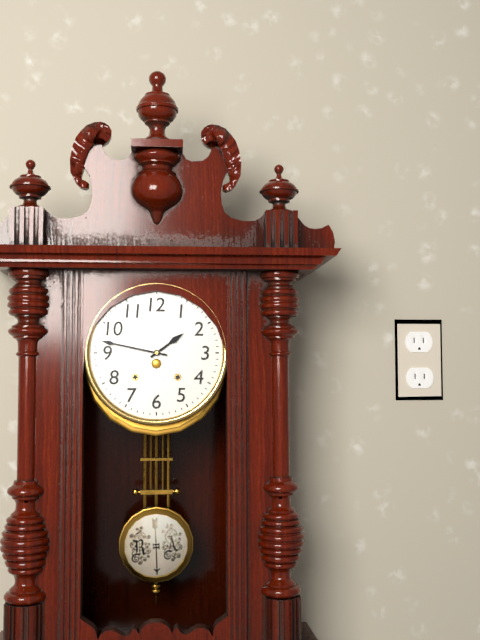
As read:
**1:47**
